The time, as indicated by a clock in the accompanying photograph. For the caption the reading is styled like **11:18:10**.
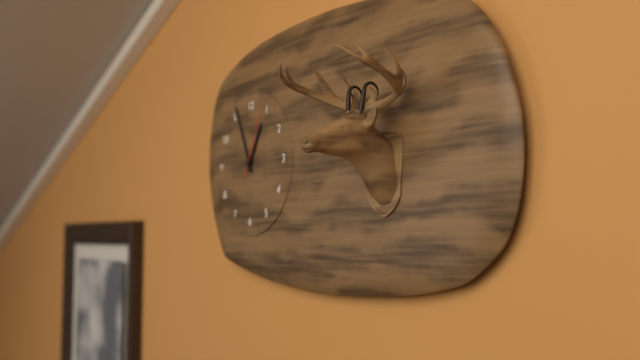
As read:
**12:56:04**
